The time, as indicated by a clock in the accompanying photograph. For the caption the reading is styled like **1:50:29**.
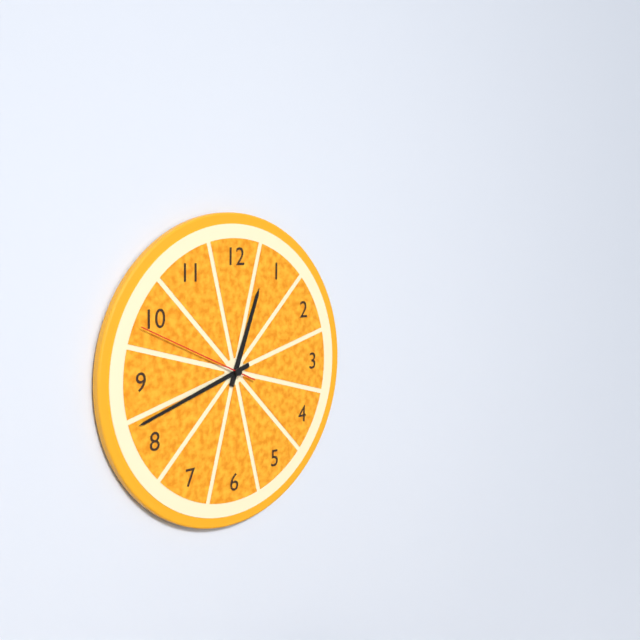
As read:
**12:42:49**
